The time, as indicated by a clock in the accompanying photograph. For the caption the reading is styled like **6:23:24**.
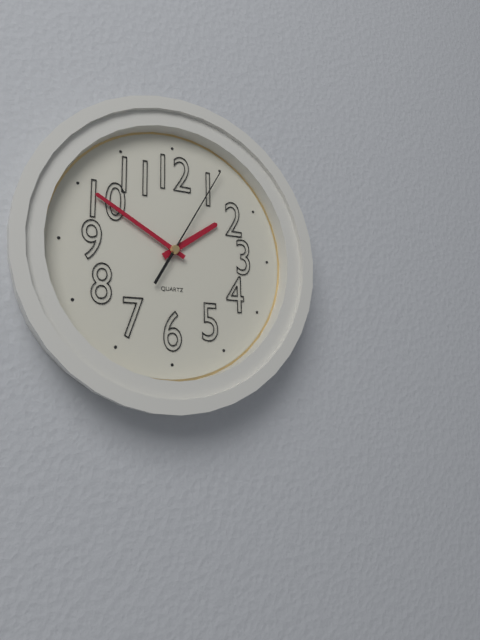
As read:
**1:50:05**
